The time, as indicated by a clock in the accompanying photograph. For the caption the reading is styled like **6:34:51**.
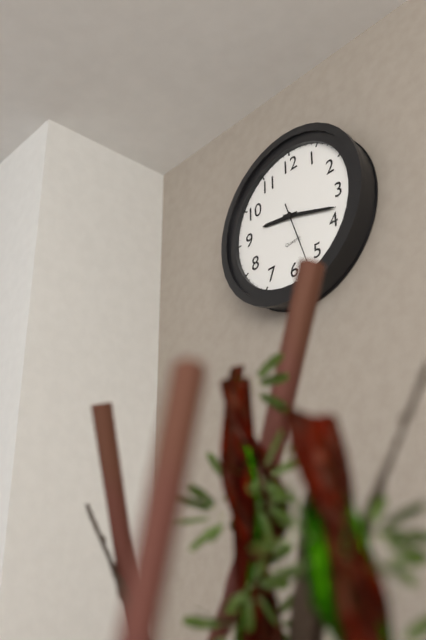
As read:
**9:18:27**
